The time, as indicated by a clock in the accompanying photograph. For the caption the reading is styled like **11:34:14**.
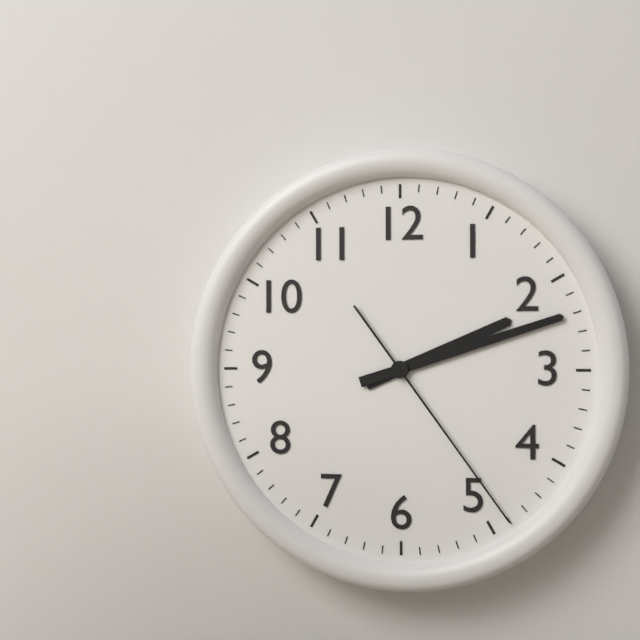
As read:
**2:12:24**
